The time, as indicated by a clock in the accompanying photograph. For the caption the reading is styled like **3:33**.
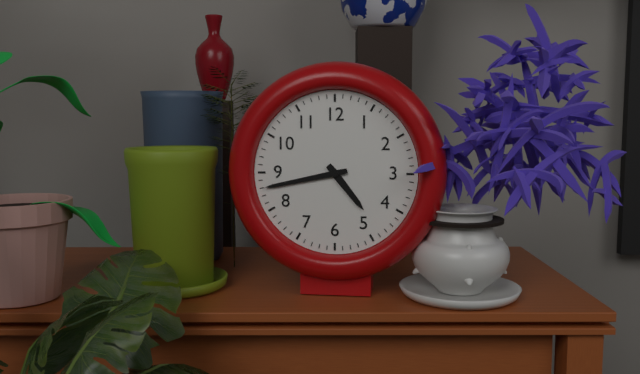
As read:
**4:43**
